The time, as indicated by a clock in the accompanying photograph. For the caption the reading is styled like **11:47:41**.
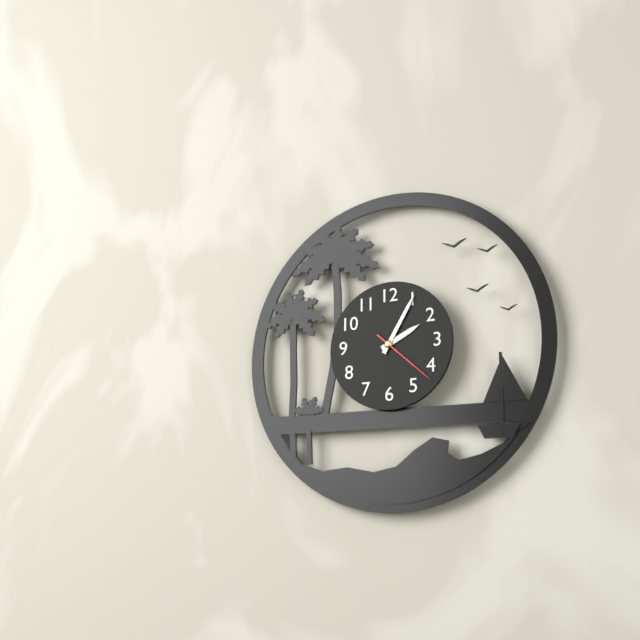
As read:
**2:05:22**
